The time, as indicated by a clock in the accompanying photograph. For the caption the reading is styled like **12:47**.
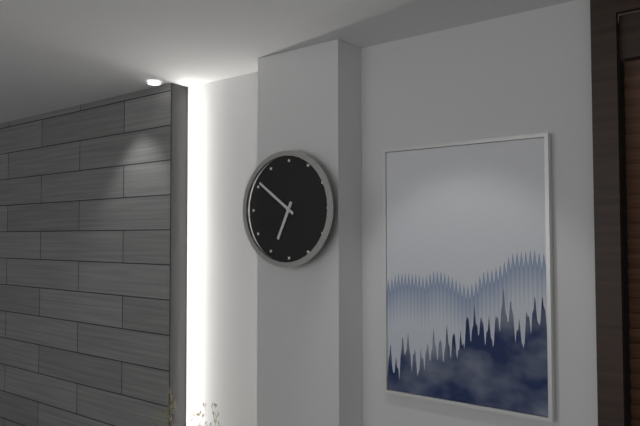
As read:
**6:51**
